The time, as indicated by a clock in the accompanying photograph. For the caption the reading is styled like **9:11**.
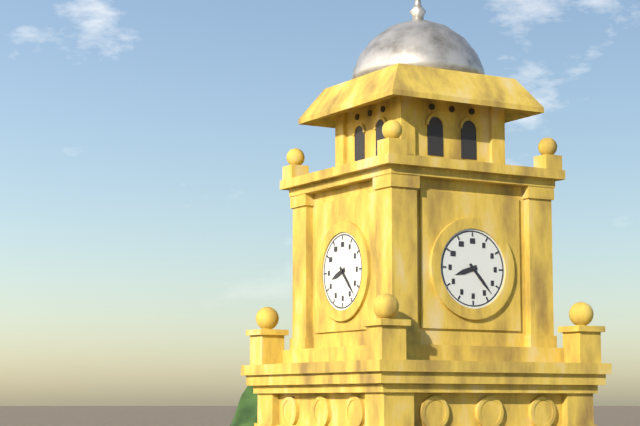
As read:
**8:23**
